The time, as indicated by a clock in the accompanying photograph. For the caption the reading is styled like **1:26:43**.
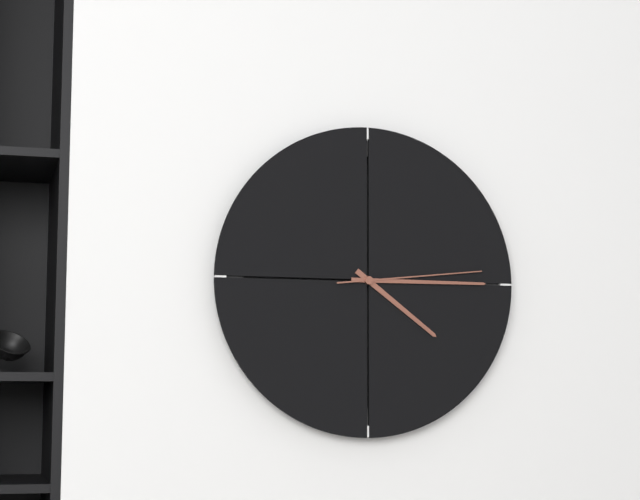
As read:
**4:15:14**
